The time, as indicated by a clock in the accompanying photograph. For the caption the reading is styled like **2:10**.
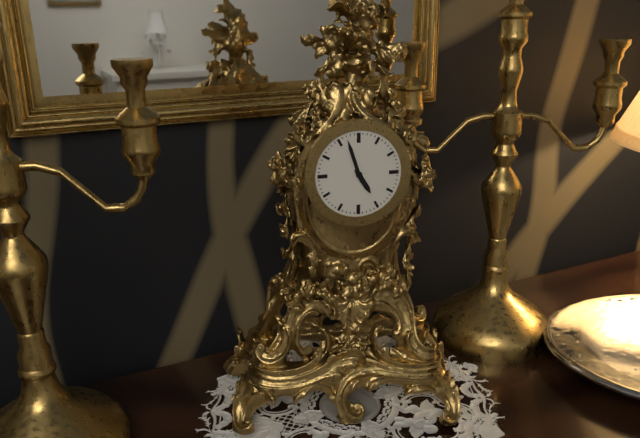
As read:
**4:57**
